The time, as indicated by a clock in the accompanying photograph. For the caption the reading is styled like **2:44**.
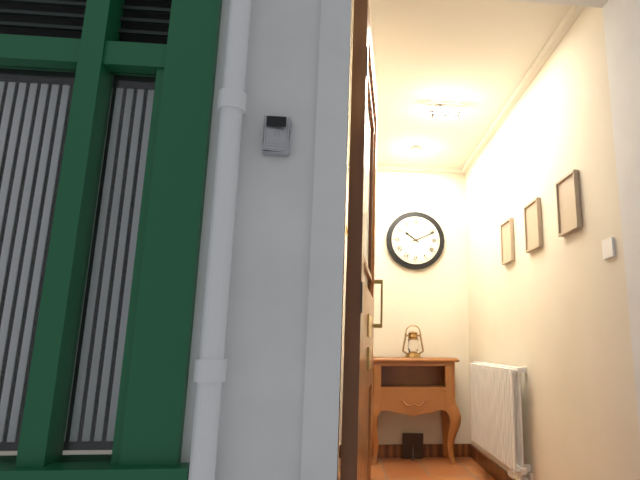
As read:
**10:11**
